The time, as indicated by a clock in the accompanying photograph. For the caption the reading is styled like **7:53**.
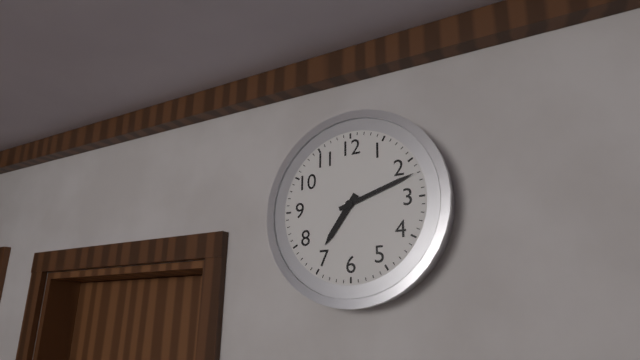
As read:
**7:12**
